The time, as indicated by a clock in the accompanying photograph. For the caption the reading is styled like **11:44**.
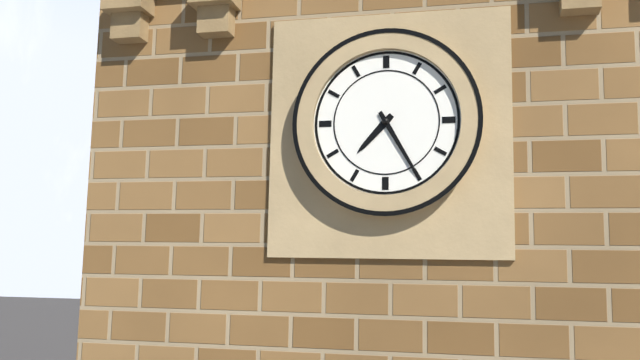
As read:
**7:25**
